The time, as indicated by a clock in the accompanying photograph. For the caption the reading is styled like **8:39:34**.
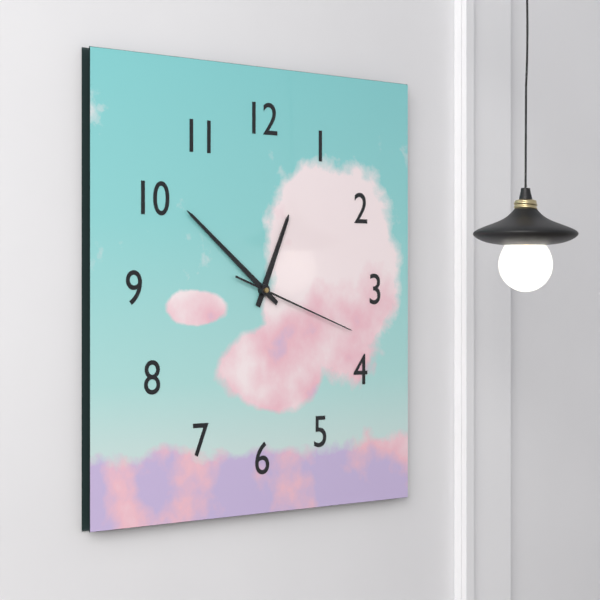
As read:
**12:51:18**
